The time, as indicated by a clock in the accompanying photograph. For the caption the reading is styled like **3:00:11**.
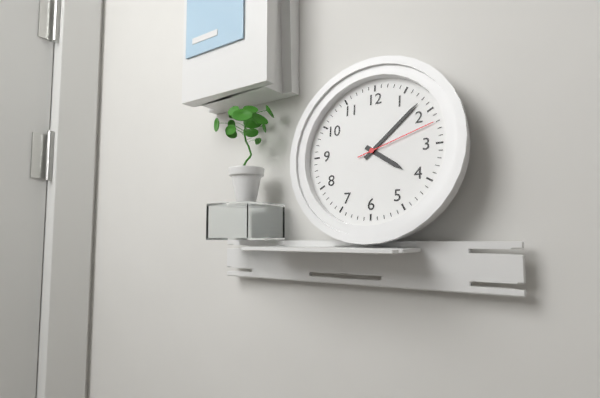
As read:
**4:08:12**
